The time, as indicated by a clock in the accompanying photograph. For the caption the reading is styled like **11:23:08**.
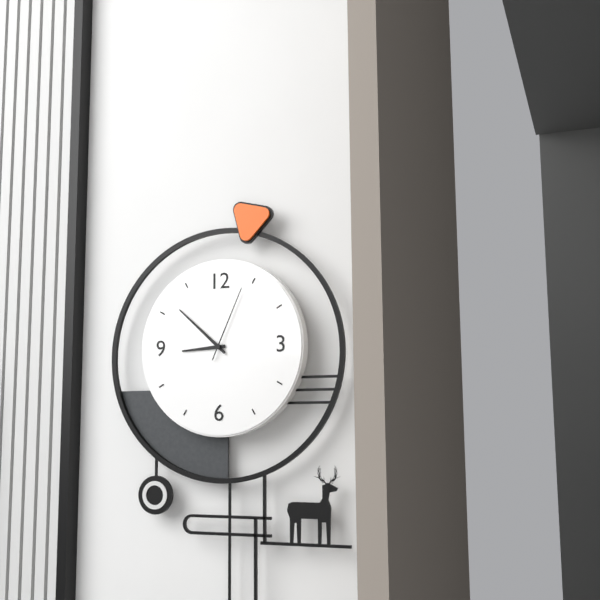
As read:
**8:52:04**
